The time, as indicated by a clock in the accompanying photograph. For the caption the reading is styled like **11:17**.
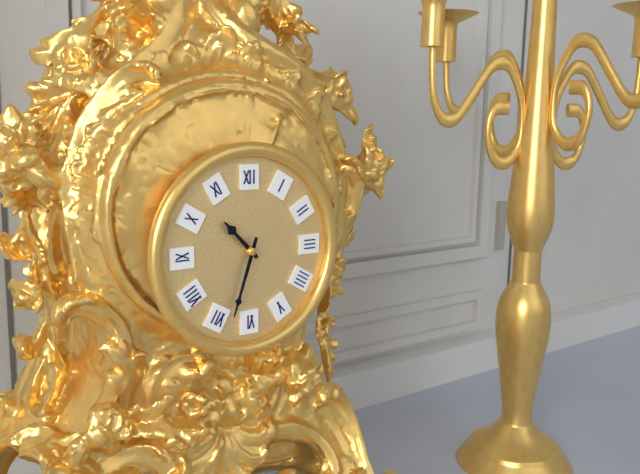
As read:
**10:33**
